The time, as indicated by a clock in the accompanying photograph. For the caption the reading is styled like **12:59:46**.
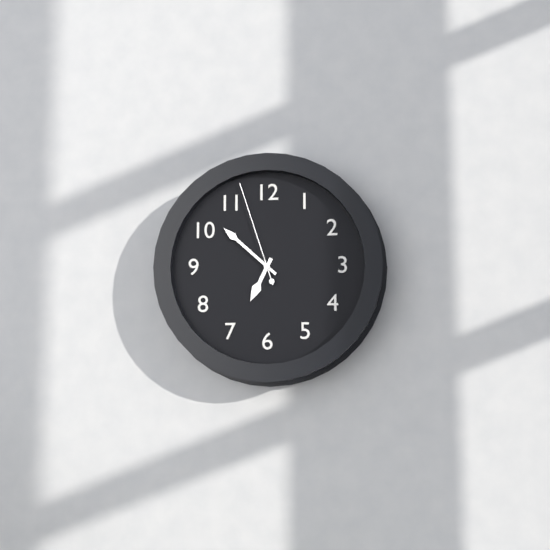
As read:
**6:52:57**
